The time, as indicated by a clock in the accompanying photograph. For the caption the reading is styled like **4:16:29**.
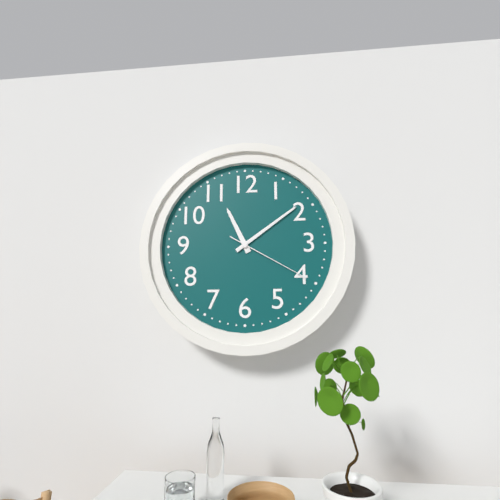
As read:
**11:09:20**
